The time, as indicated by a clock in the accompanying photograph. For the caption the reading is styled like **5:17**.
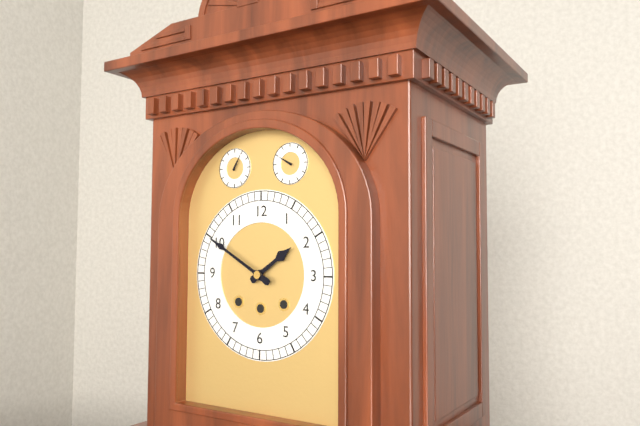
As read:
**1:50**
